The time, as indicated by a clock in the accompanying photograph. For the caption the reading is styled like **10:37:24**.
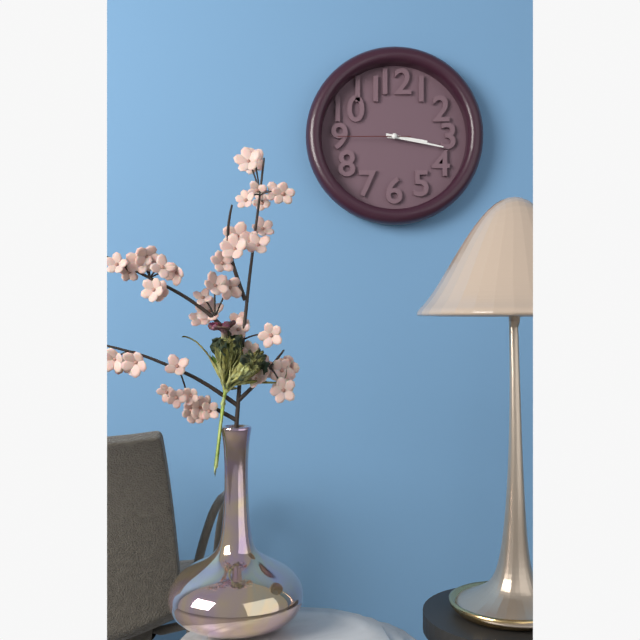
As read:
**3:17:45**
